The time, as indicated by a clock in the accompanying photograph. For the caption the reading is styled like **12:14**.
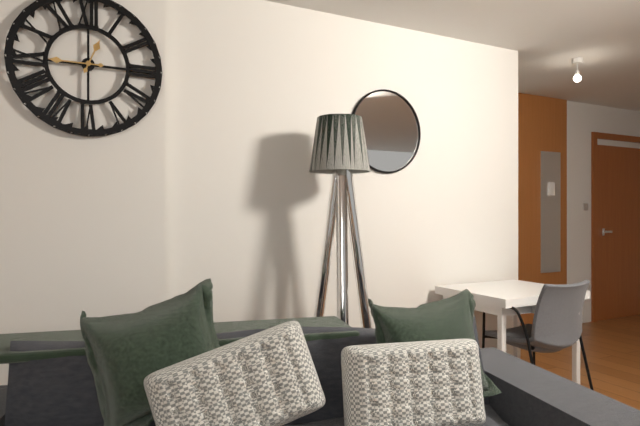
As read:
**12:45**
